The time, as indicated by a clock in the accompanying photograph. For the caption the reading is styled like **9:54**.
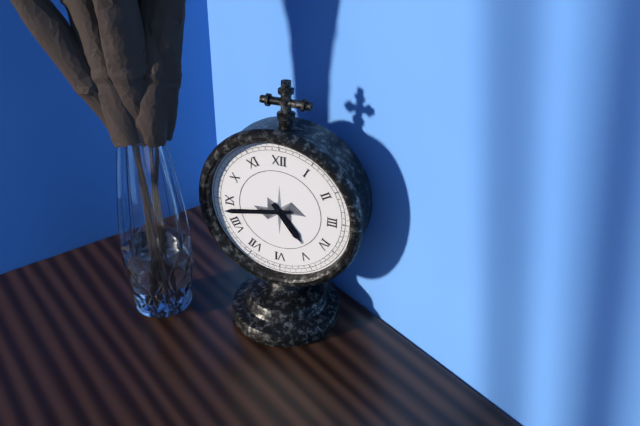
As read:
**4:43**
